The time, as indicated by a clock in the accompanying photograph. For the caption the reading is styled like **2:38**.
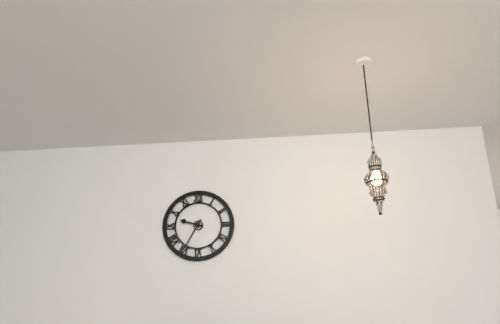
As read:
**9:35**
